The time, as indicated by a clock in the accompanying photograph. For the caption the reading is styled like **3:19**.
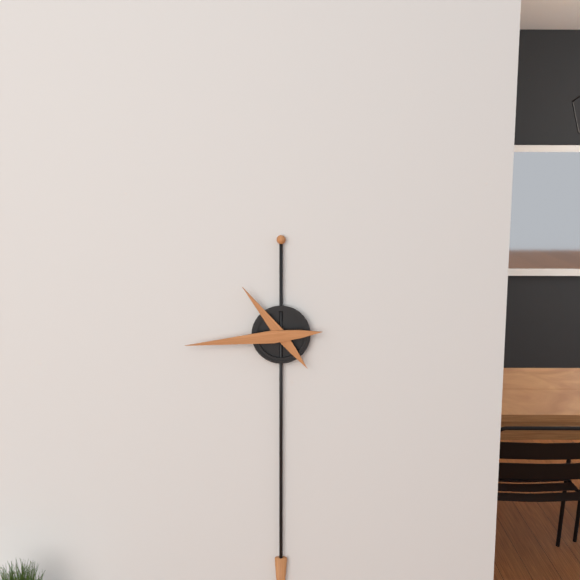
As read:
**10:44**
